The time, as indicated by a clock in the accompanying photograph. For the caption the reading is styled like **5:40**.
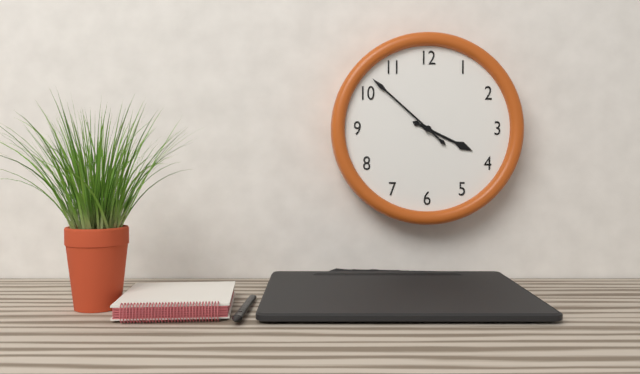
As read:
**3:52**
